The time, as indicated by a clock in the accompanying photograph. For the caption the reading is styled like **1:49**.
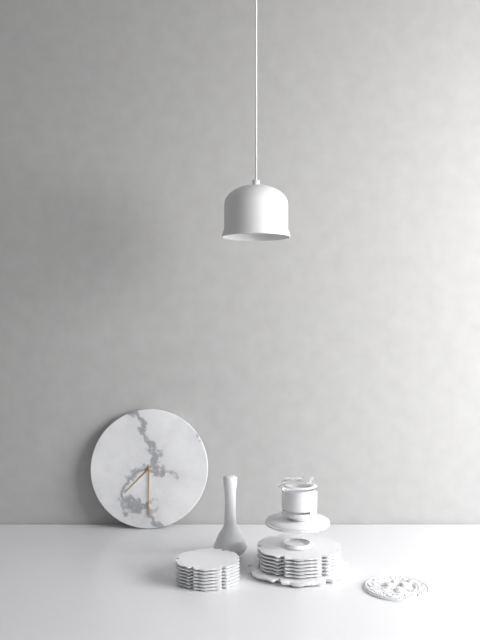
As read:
**7:30**
